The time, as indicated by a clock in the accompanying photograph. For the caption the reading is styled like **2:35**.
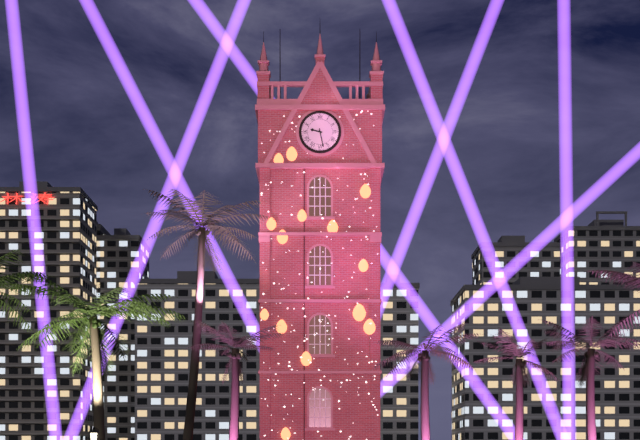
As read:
**9:28**
